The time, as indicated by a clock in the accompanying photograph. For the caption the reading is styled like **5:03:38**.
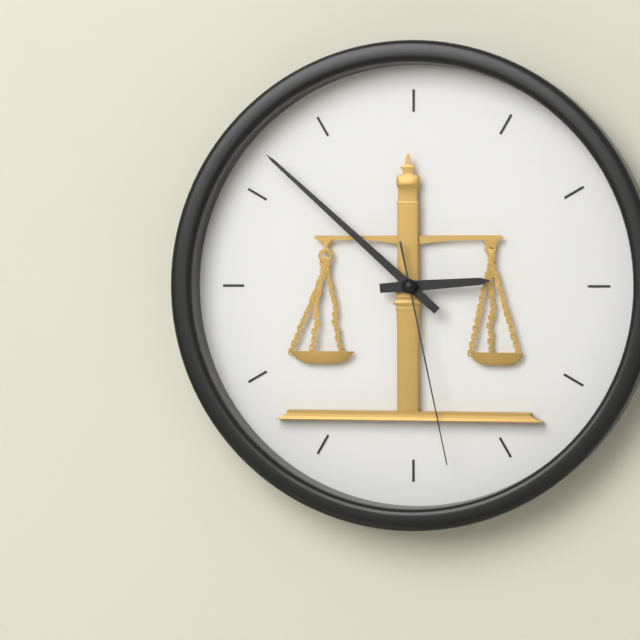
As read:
**2:52:28**
